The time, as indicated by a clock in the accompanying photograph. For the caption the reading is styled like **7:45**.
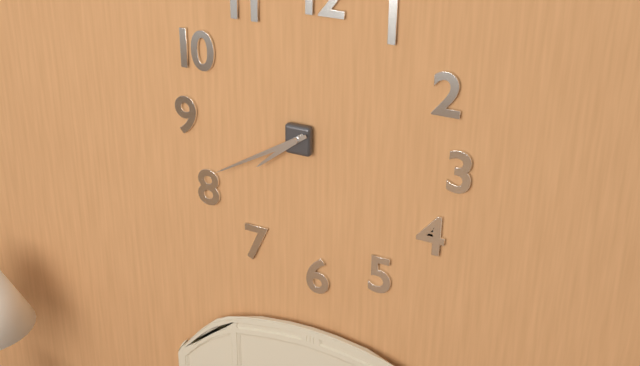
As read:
**7:40**
